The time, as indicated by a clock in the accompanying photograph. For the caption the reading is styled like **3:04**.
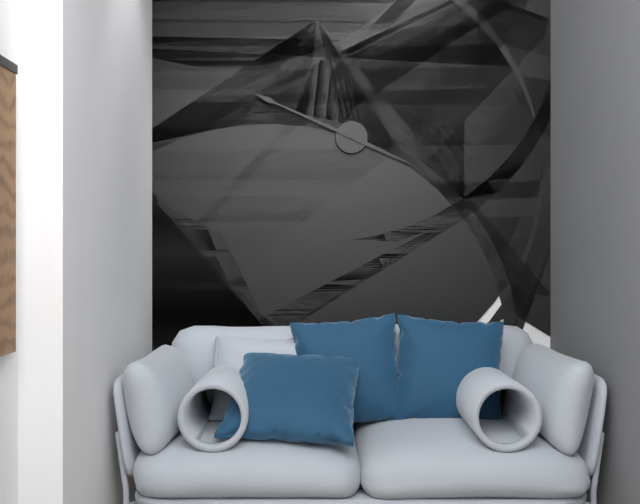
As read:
**3:49**
